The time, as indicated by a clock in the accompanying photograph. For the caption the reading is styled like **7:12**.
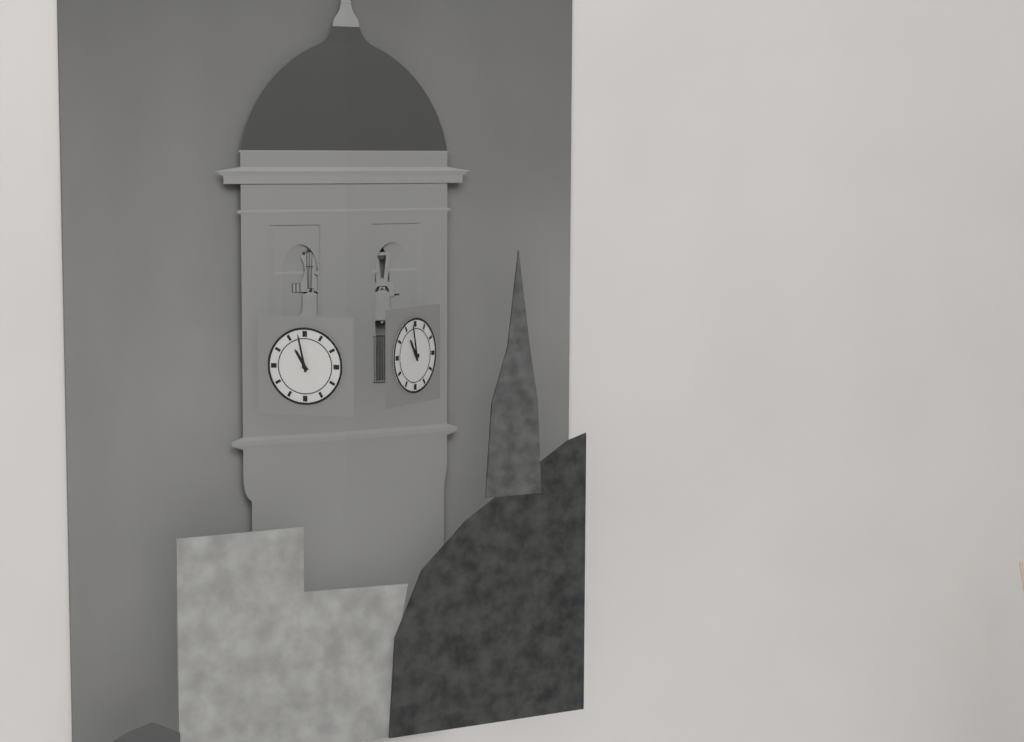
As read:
**10:58**
